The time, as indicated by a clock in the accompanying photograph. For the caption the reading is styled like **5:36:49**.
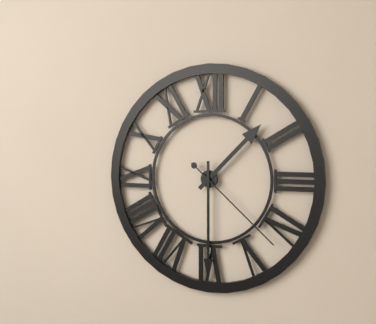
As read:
**1:30:22**
